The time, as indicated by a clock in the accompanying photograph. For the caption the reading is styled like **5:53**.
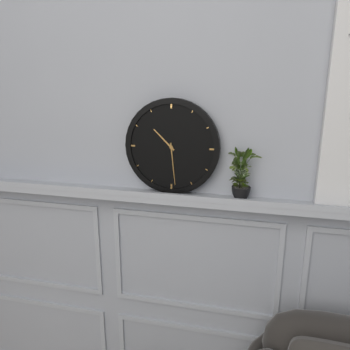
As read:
**10:29**
